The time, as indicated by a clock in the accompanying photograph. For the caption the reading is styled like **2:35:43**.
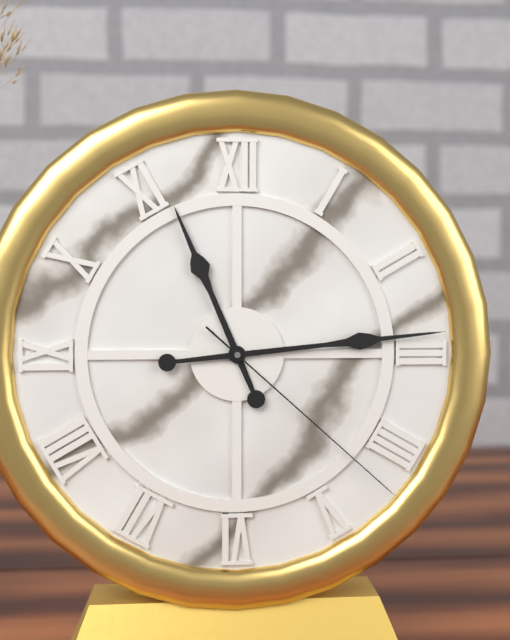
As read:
**11:14:22**
